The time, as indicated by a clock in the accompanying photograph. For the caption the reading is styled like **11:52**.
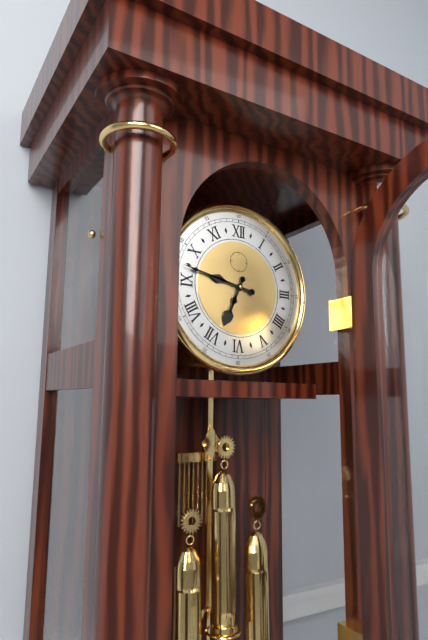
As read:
**6:47**
